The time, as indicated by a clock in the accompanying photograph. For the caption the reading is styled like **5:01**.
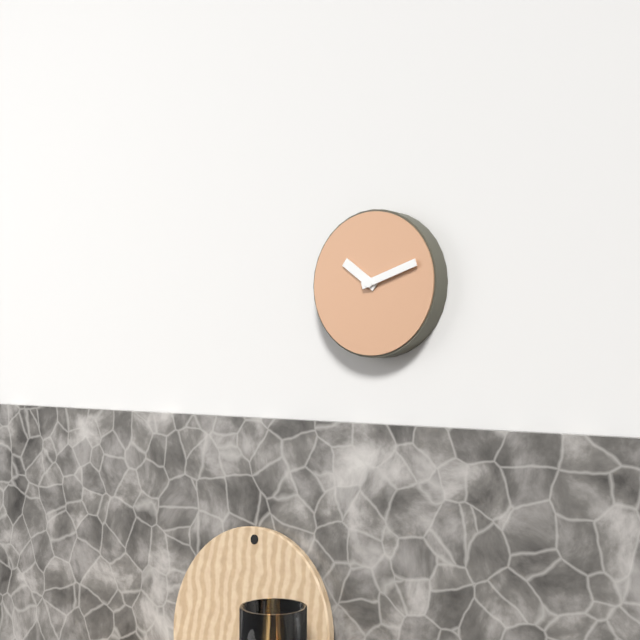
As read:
**10:12**
